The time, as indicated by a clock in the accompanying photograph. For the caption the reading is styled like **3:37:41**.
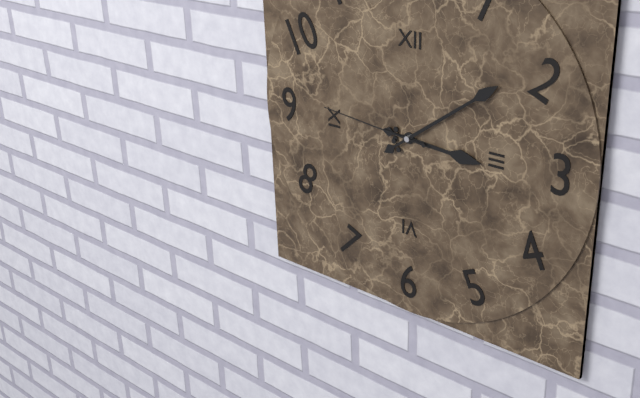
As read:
**3:09:46**
